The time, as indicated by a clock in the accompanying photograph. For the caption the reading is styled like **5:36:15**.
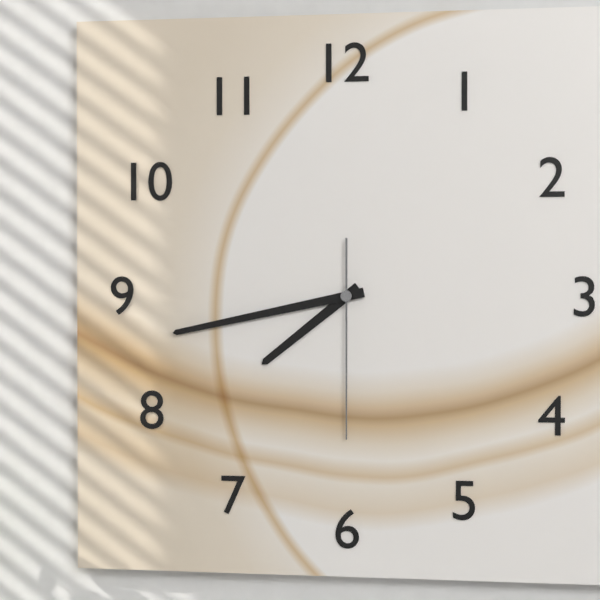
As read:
**7:43:30**
